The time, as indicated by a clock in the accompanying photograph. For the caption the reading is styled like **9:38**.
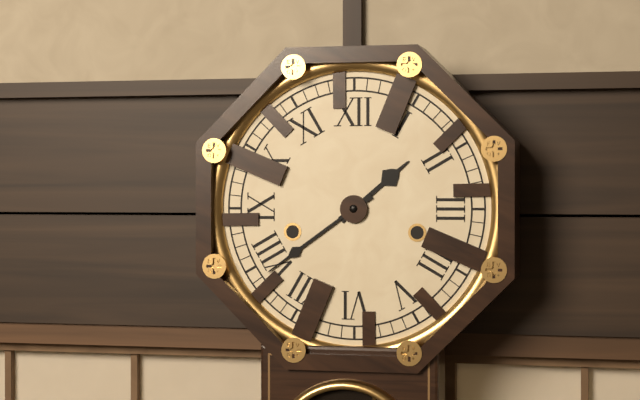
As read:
**1:39**
